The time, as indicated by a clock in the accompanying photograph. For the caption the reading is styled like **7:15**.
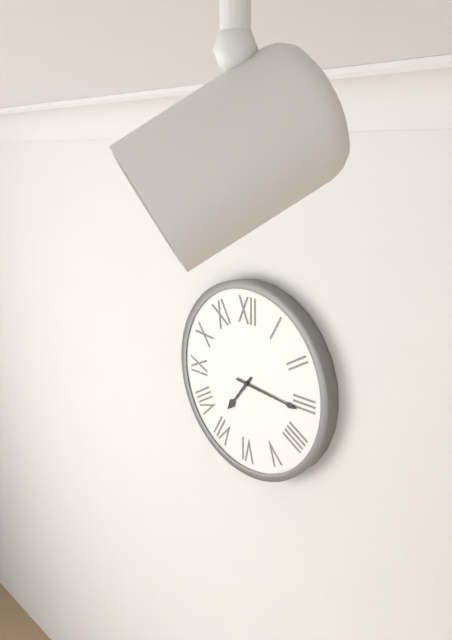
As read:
**7:16**
